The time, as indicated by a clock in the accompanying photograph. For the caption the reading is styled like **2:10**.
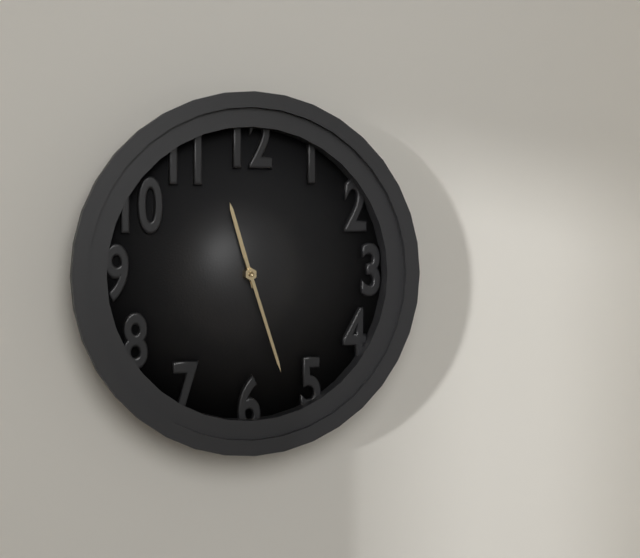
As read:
**11:27**
